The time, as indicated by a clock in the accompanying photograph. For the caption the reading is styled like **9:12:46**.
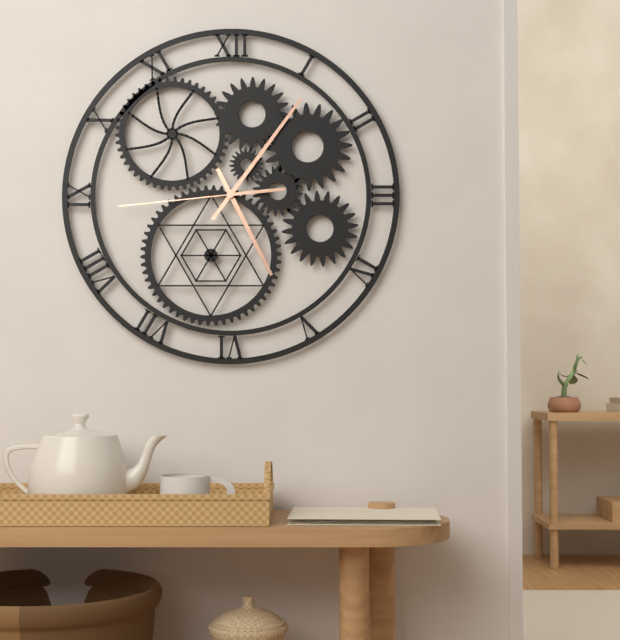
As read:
**5:06:44**
